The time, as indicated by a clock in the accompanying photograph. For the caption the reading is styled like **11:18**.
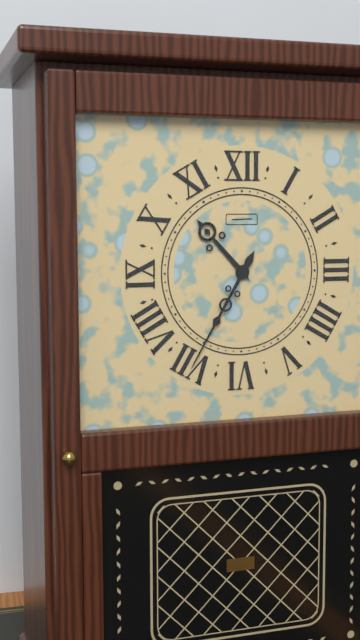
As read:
**10:35**
